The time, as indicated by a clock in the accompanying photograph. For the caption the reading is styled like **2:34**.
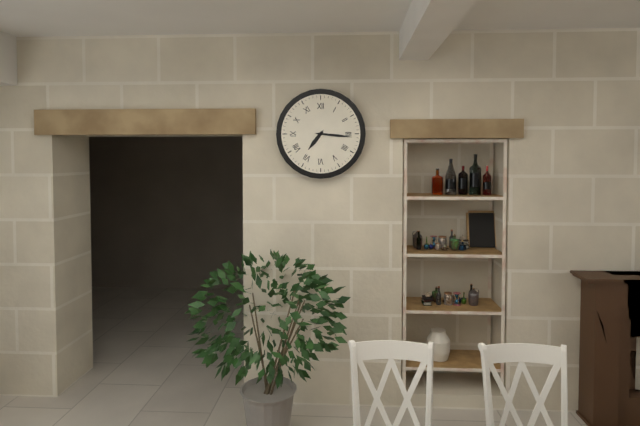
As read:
**7:16**
